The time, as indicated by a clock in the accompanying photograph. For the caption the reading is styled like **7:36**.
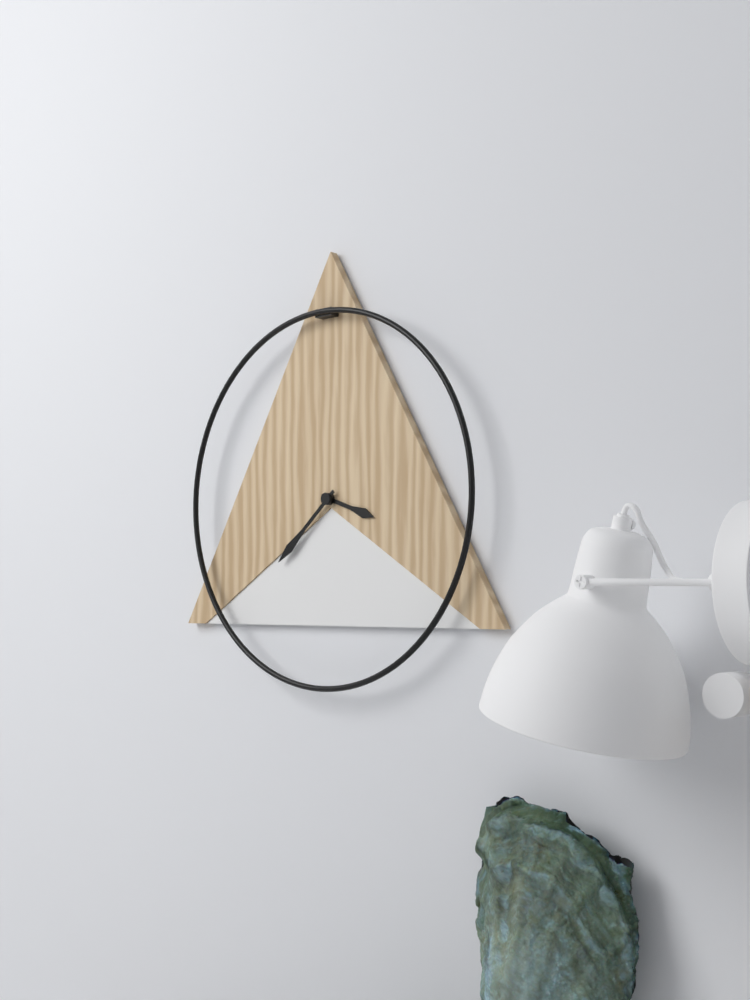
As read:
**3:38**
